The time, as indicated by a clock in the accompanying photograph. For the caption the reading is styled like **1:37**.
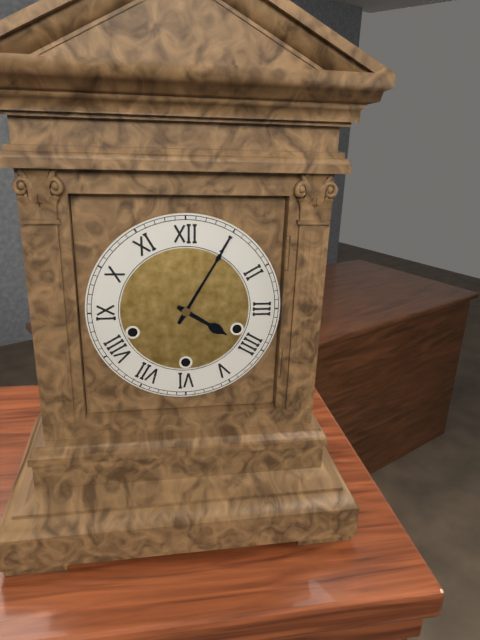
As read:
**4:05**
